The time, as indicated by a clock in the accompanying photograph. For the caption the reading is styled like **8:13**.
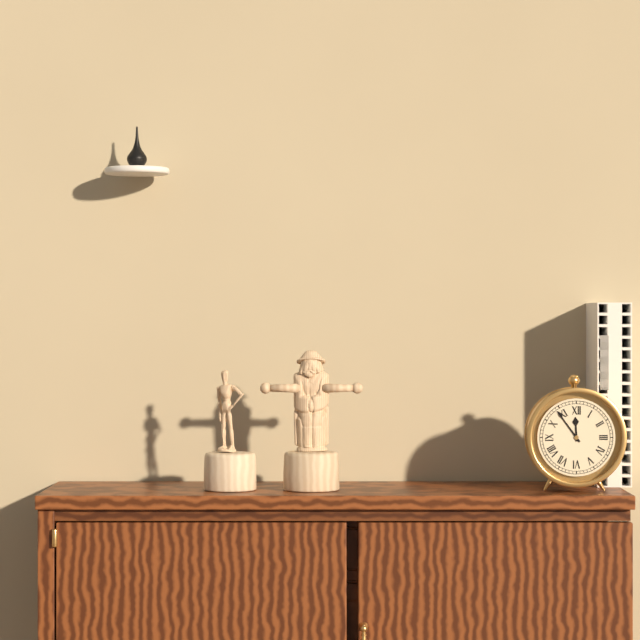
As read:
**11:54**
